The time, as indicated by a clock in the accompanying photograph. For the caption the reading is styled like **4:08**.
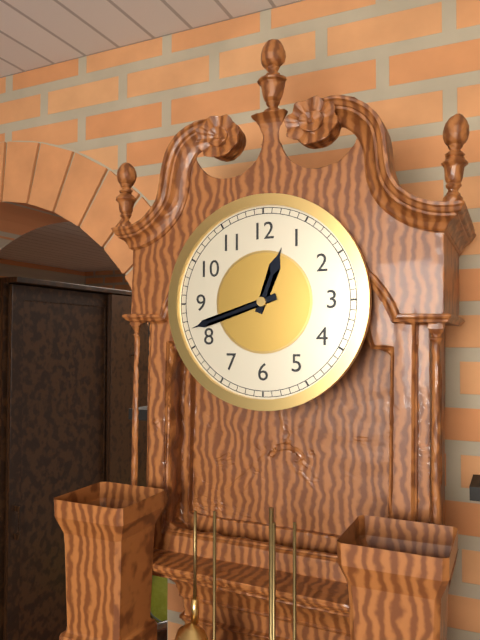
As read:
**12:42**
